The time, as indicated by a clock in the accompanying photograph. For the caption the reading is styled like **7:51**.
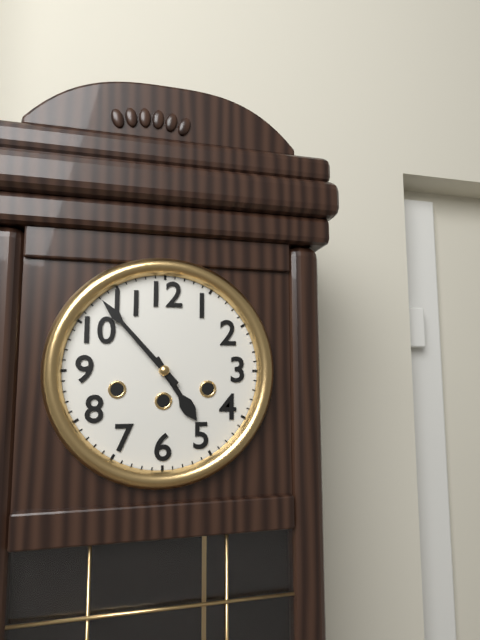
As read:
**4:53**
